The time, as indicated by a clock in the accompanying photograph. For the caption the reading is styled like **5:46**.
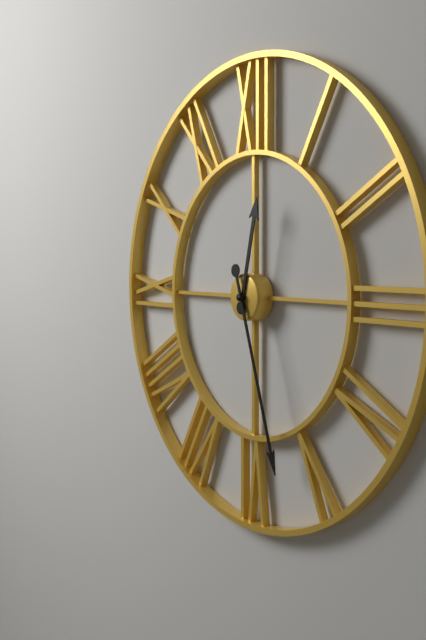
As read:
**12:27**
